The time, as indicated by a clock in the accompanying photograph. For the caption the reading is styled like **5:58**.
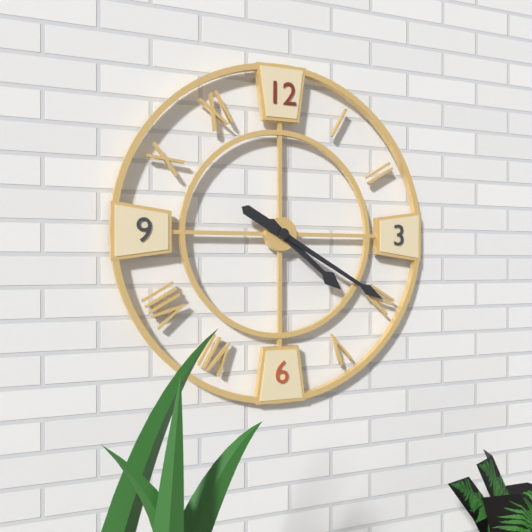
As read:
**4:20**
